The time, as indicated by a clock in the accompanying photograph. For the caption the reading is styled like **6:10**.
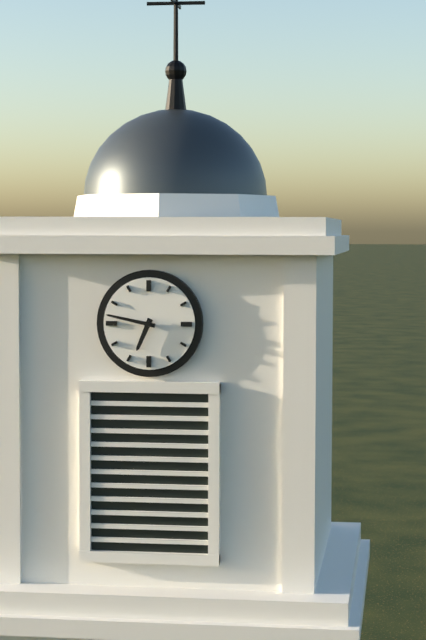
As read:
**6:47**
